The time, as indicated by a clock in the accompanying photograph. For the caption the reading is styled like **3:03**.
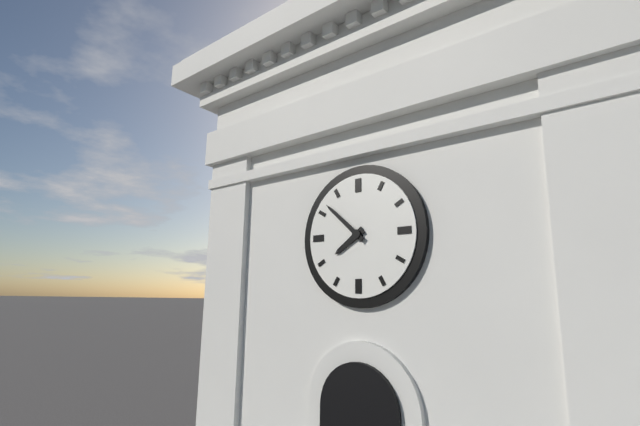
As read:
**7:52**
